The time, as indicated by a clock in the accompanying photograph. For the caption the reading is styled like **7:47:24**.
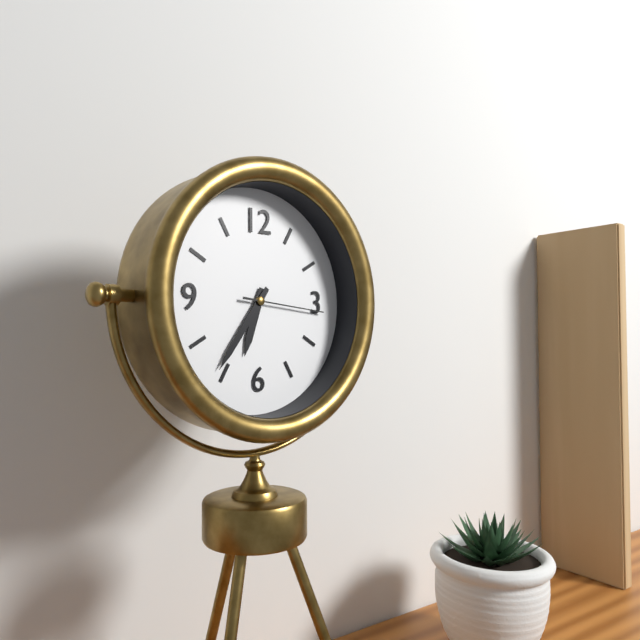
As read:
**6:36:16**
